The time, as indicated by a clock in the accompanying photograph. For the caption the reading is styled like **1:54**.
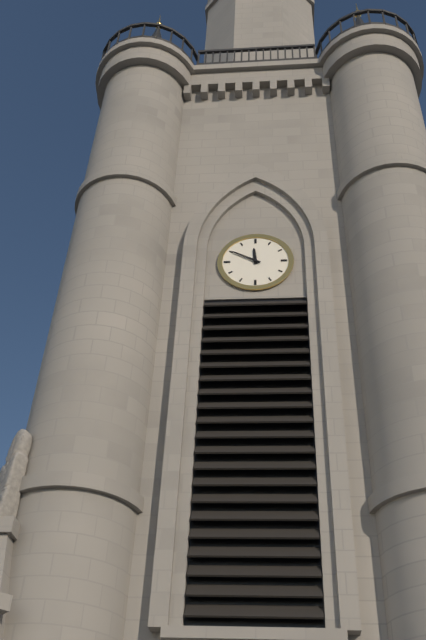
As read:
**11:50**
